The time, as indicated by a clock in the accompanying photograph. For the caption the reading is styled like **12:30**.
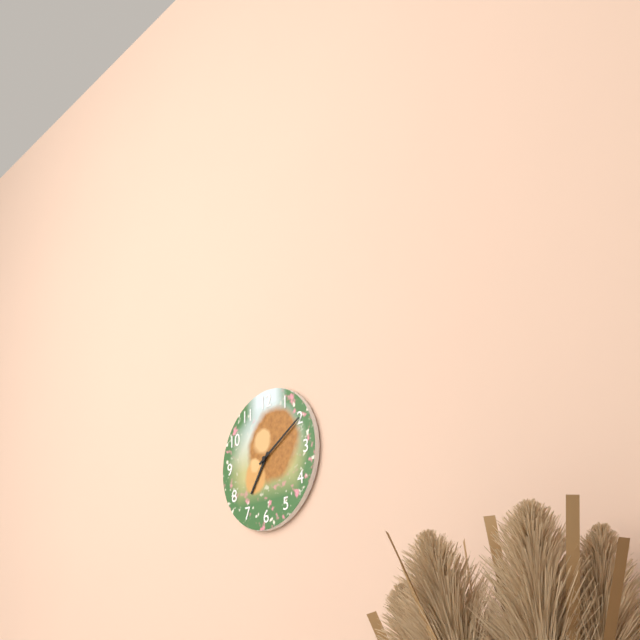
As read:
**7:10**
